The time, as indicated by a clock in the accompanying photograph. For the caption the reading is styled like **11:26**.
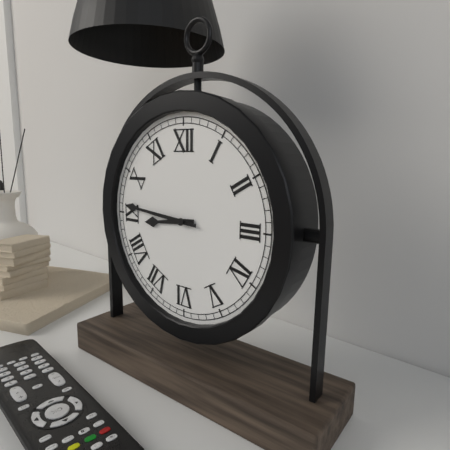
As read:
**8:46**
